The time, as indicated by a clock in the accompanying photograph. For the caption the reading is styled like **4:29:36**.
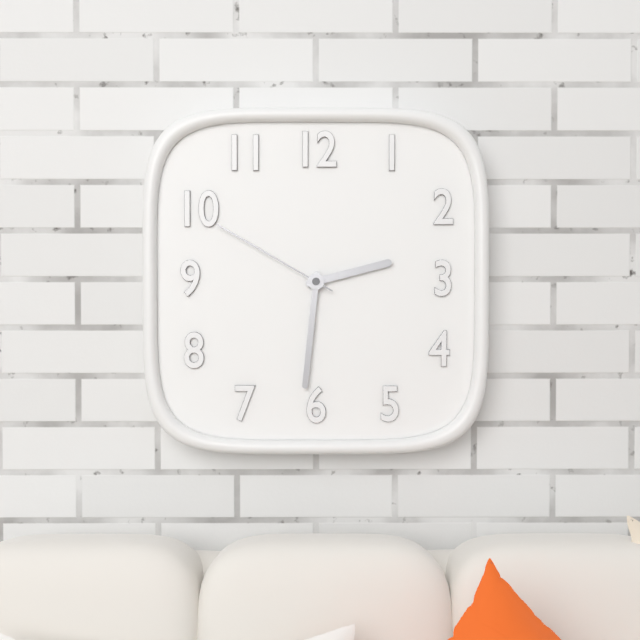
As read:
**2:31:50**
